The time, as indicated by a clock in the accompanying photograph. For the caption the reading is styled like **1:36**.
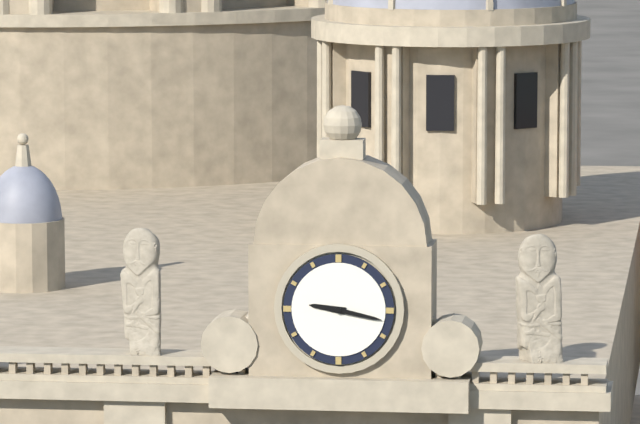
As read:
**9:17**
